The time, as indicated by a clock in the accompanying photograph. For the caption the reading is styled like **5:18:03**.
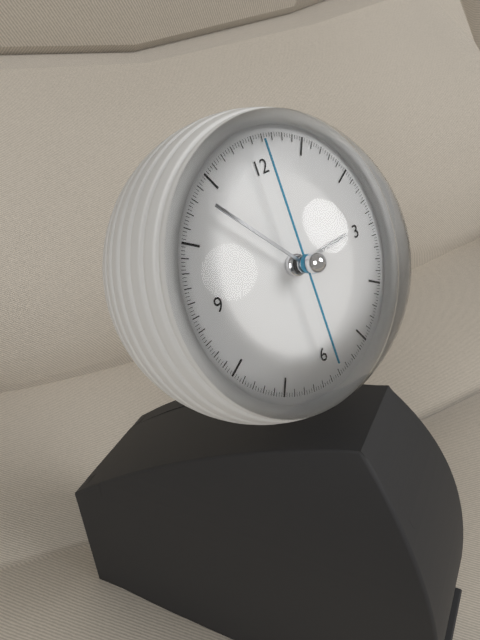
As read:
**2:53:00**
